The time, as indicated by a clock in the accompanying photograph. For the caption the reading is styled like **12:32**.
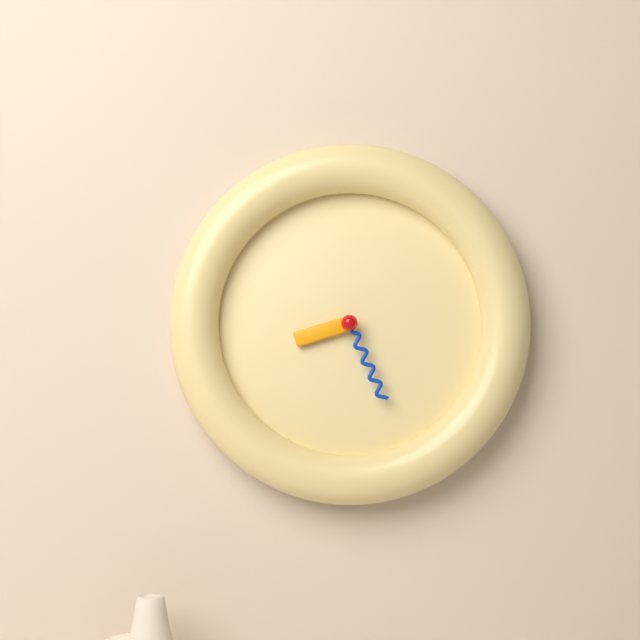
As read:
**8:26**
